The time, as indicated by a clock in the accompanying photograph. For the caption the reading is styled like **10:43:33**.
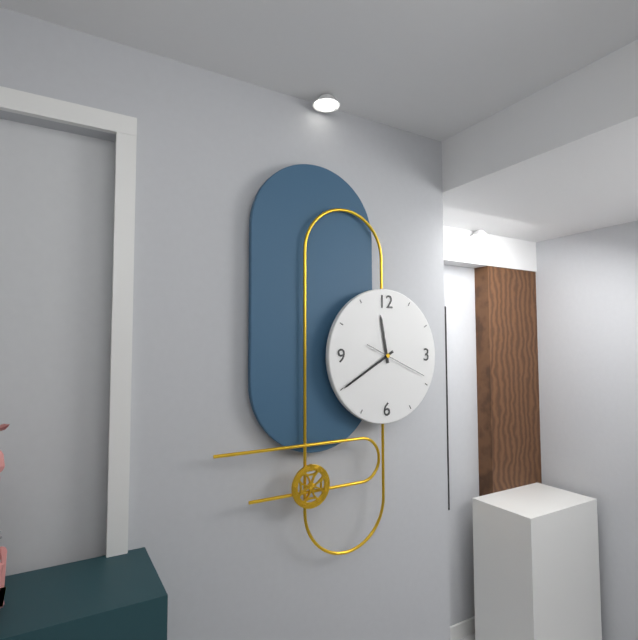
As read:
**11:40:19**
